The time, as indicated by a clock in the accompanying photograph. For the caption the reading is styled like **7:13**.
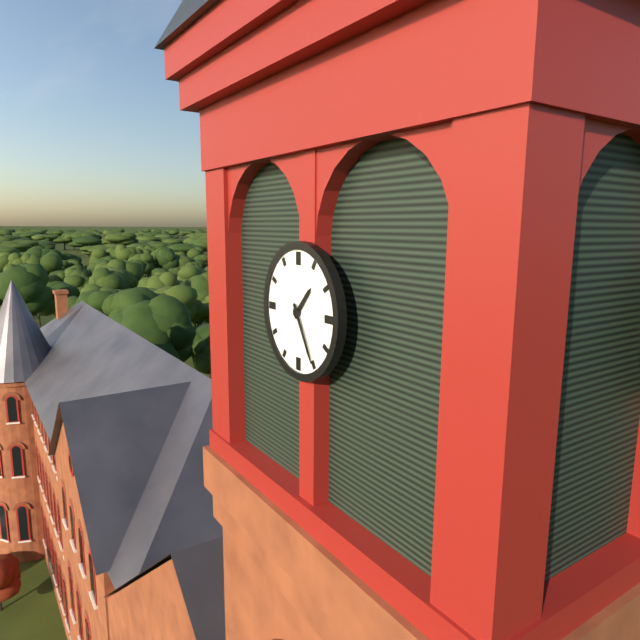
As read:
**1:25**
